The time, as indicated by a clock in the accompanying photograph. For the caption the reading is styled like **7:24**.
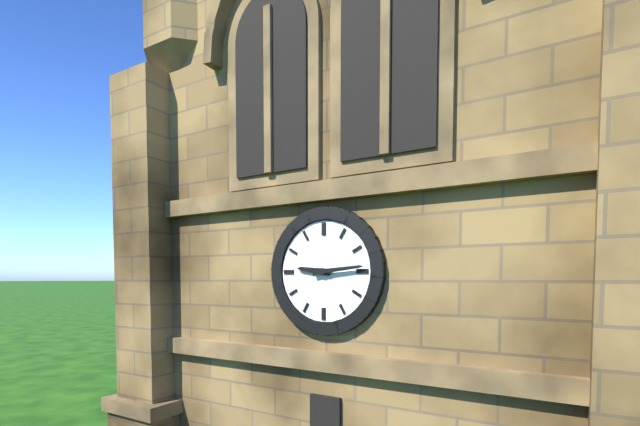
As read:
**9:14**
